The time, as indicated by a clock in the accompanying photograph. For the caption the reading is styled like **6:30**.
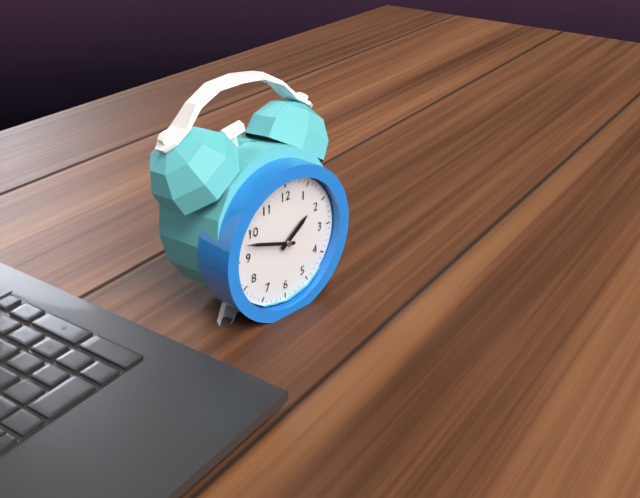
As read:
**1:48**
